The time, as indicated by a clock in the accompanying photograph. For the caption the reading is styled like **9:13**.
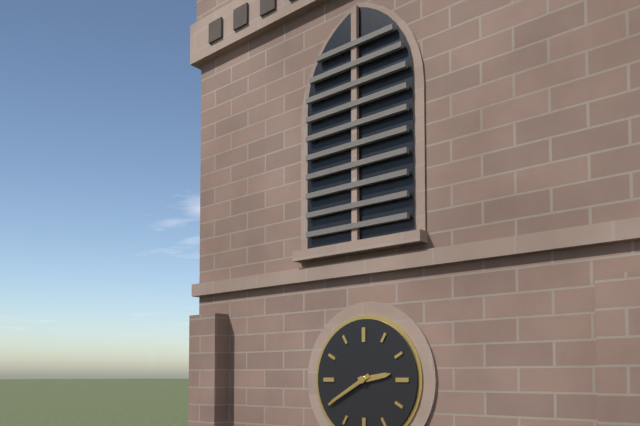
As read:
**2:40**
